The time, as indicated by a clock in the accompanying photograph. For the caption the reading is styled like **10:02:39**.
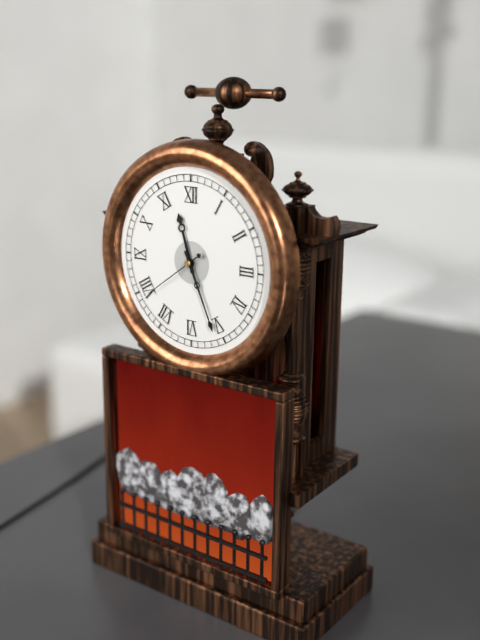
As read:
**11:26:39**
